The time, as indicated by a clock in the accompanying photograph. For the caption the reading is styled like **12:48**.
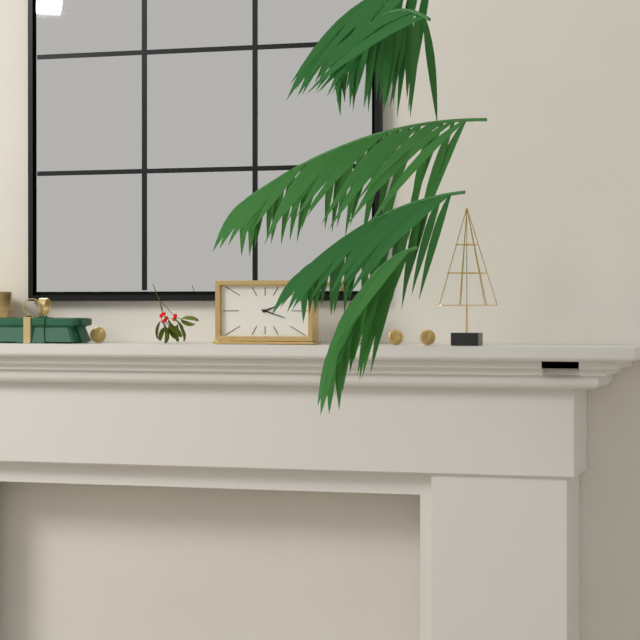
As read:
**2:18**
